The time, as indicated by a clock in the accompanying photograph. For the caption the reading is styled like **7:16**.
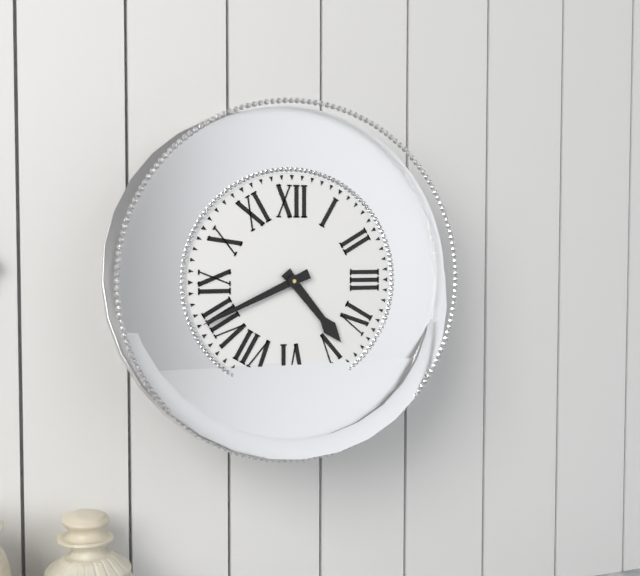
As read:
**4:41**
